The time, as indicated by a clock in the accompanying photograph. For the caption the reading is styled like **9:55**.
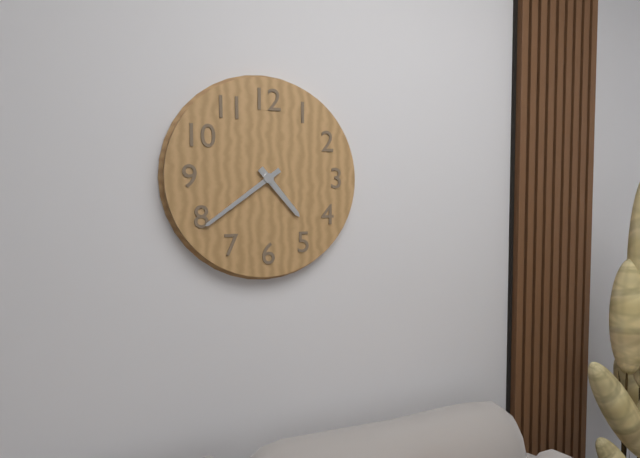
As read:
**4:39**
